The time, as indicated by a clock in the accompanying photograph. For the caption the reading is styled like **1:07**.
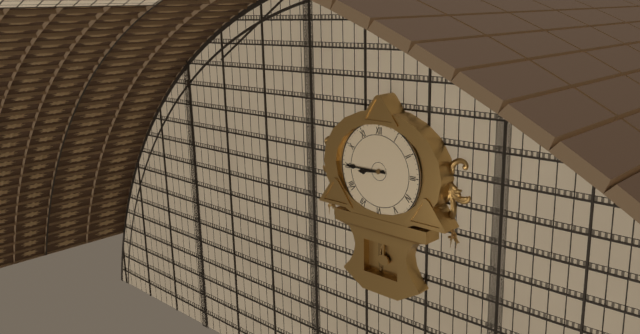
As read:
**8:45**
